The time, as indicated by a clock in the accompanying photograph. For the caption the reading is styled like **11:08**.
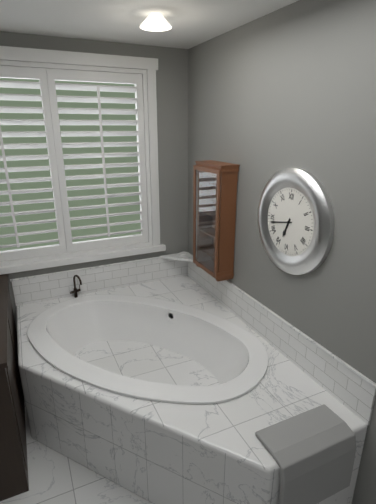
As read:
**6:43**
